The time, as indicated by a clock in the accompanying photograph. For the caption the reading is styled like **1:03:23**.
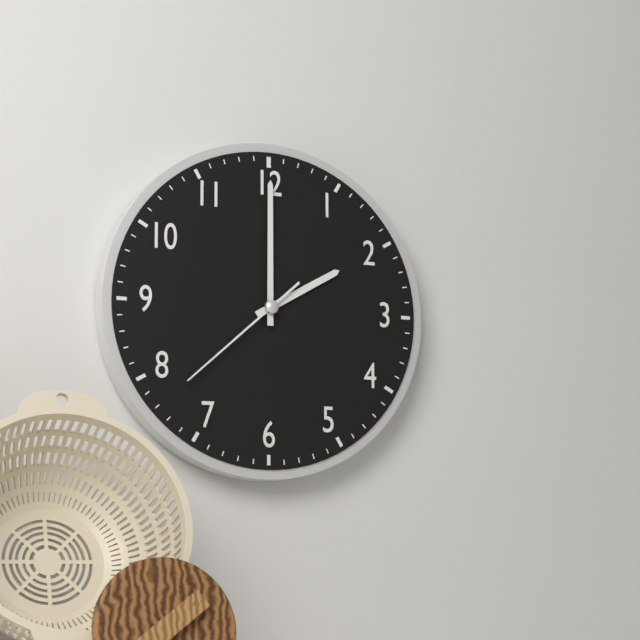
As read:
**2:00:38**
